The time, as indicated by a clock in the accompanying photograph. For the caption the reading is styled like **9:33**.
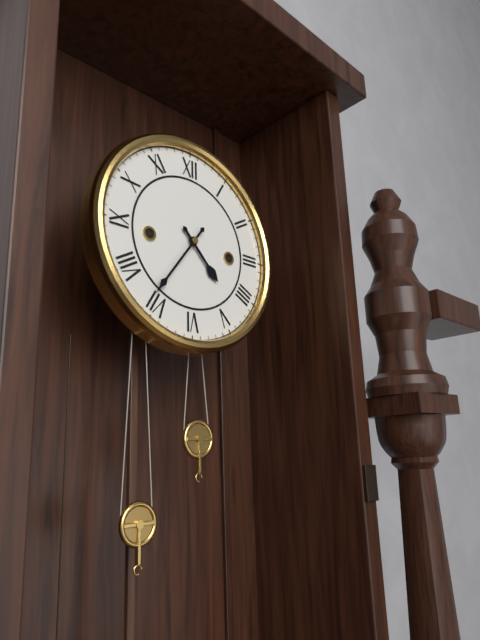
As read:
**4:36**
